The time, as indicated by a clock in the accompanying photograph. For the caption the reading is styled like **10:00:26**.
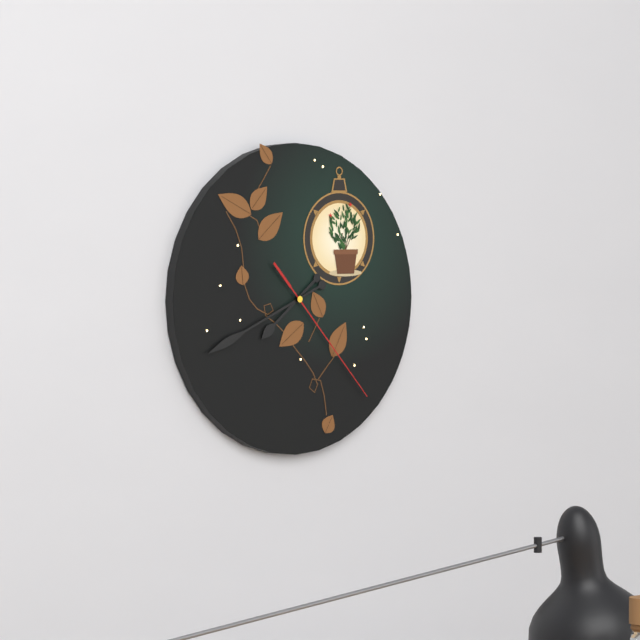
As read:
**7:41:23**
